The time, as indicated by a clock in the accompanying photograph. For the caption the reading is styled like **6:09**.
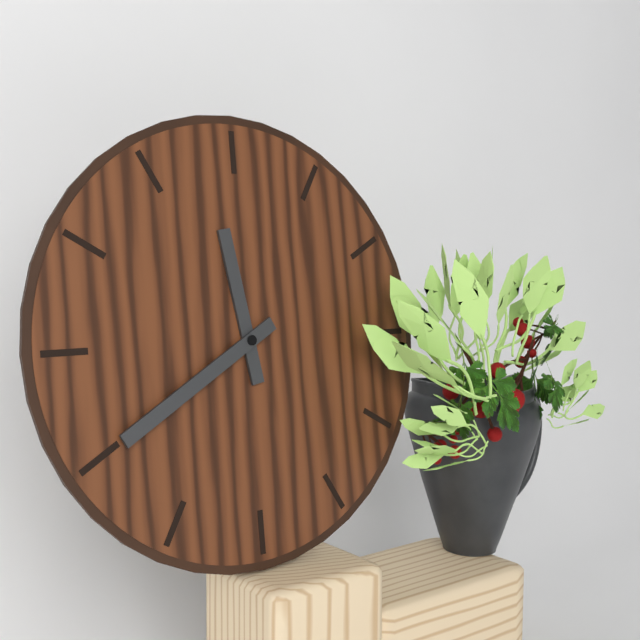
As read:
**11:40**
